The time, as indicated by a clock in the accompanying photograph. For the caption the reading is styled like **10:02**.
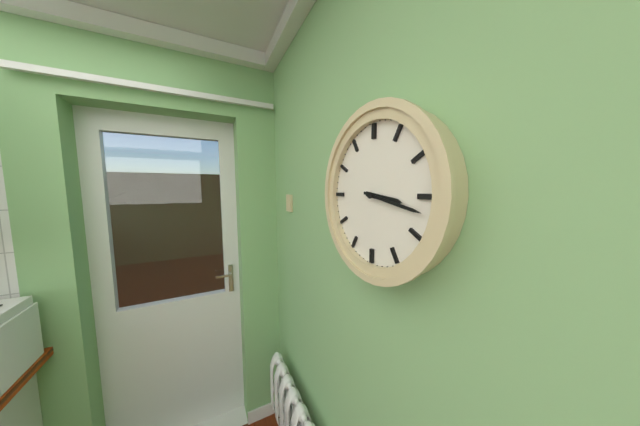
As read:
**3:17**
